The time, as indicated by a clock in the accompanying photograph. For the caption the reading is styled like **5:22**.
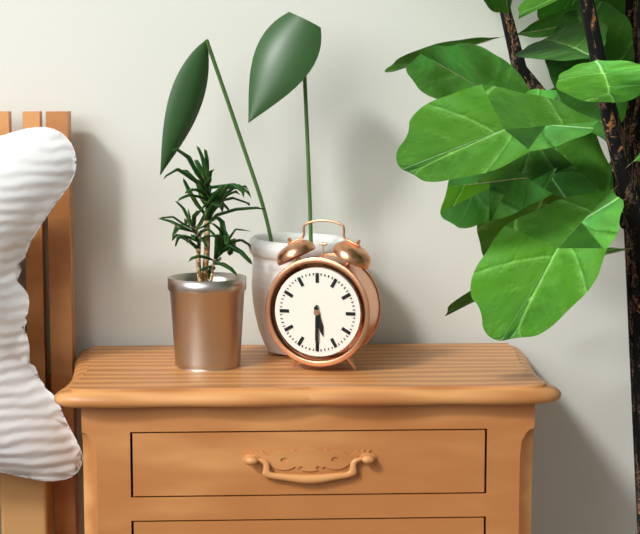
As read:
**5:30**
